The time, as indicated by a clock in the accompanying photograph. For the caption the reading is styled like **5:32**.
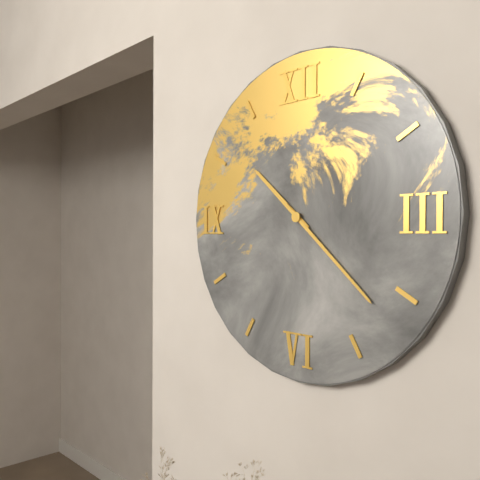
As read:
**10:22**
